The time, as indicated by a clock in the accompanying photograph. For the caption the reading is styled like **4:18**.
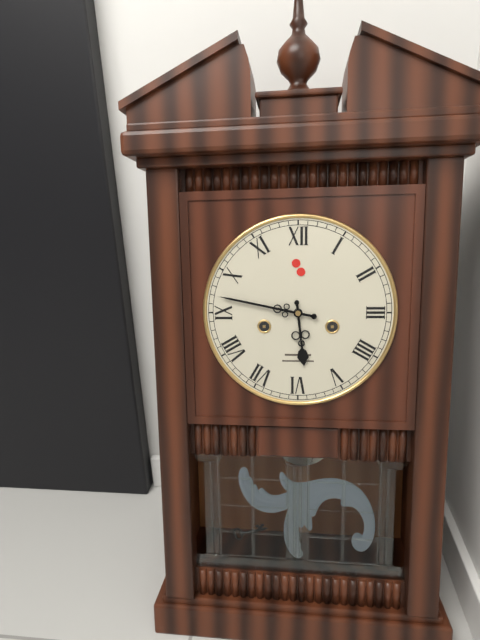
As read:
**5:47**
